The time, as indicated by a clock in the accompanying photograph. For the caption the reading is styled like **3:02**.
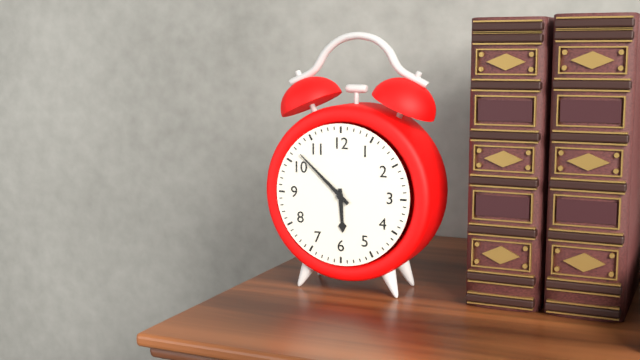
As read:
**5:52**
